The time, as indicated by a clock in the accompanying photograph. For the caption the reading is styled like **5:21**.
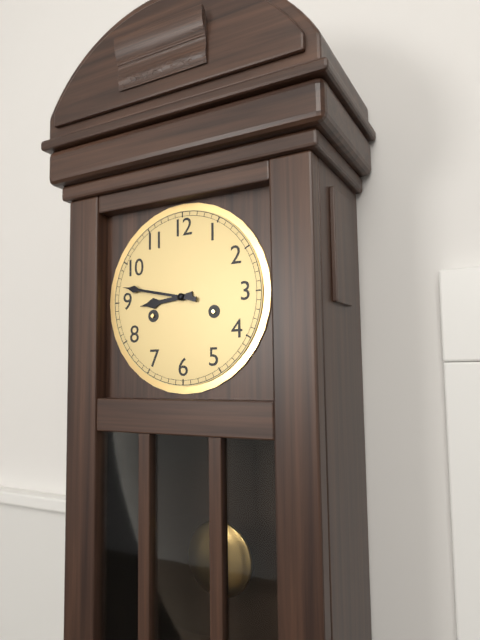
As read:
**8:47**
